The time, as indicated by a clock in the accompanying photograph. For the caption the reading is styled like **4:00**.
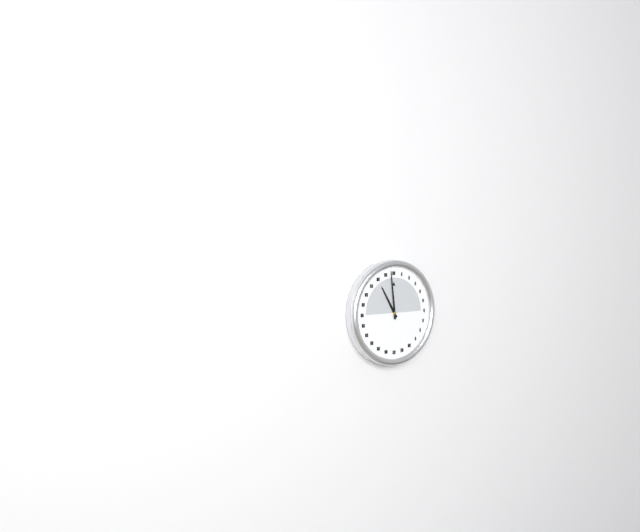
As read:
**10:59**
